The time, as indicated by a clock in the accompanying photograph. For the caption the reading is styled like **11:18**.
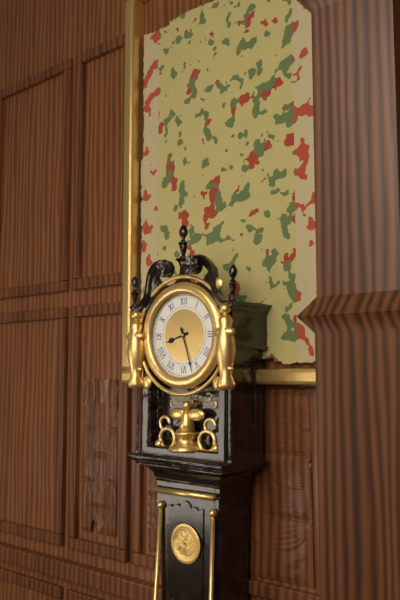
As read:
**8:27**
